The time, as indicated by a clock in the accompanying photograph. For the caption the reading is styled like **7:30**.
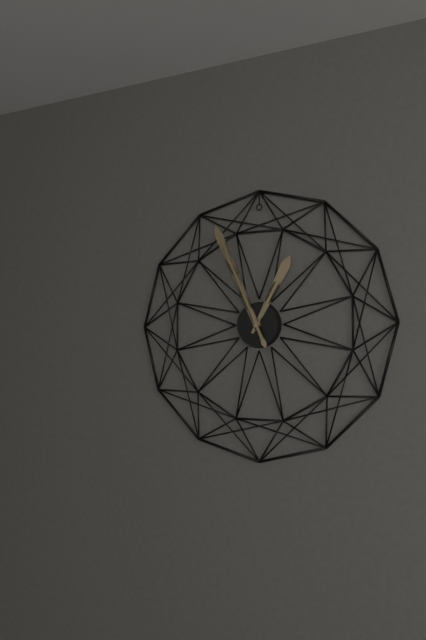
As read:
**12:56**
